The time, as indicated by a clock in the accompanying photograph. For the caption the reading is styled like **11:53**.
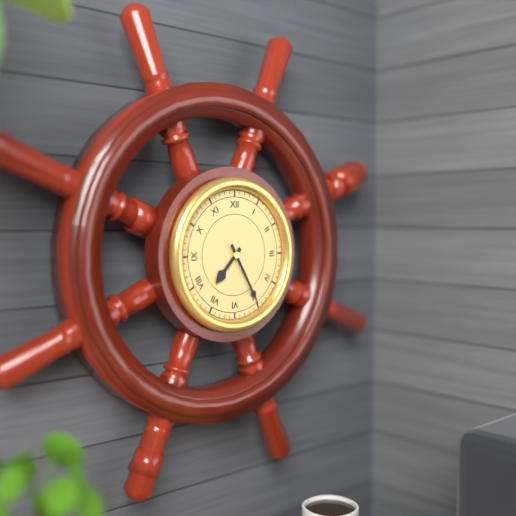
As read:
**7:25**
